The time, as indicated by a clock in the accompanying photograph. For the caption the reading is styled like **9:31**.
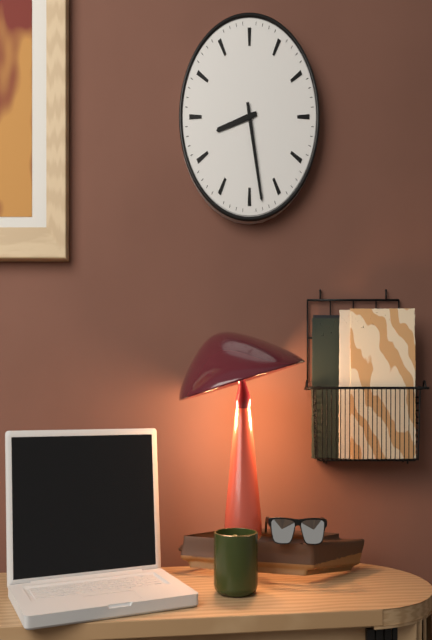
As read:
**8:28**
